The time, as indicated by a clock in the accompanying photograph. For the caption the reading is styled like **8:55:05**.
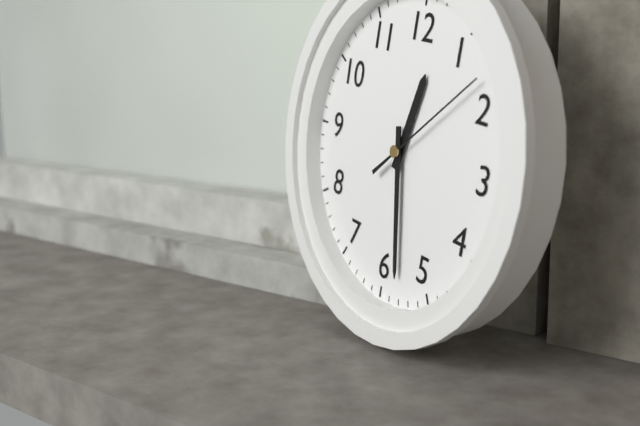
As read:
**12:28:08**
